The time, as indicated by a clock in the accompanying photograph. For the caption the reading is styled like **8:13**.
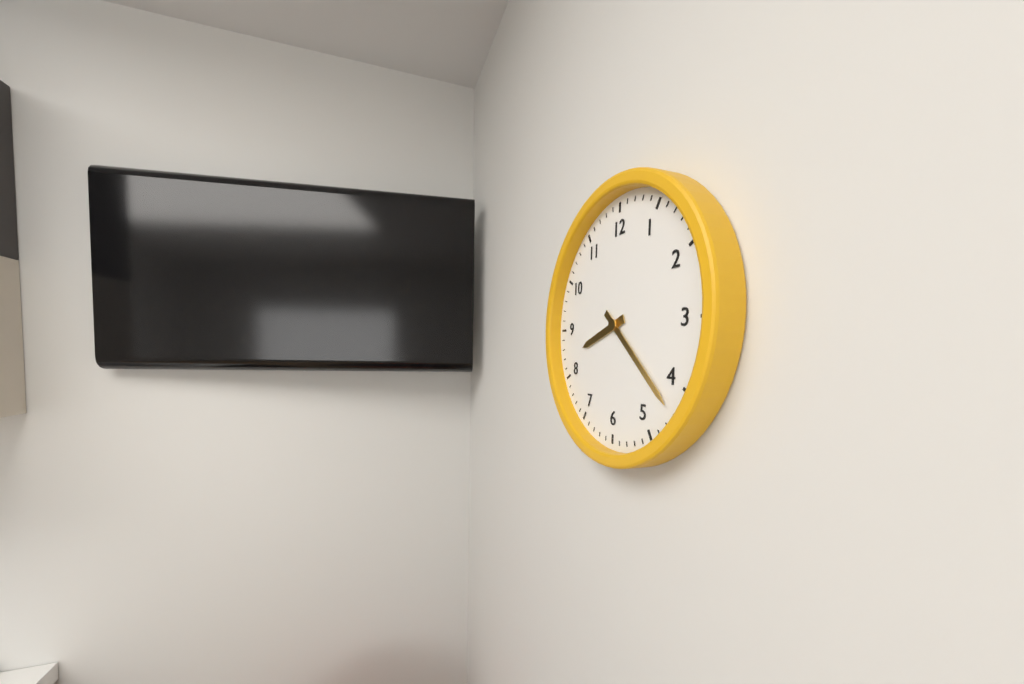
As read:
**8:22**
